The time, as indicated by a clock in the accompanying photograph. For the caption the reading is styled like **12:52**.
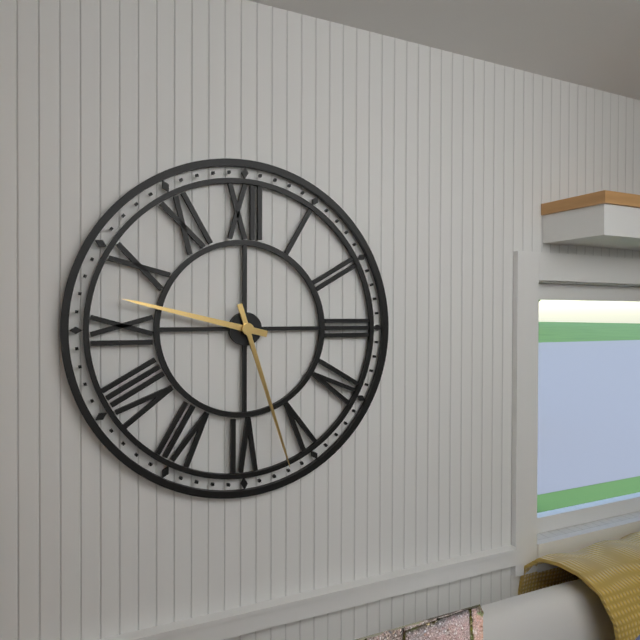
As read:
**9:27**
